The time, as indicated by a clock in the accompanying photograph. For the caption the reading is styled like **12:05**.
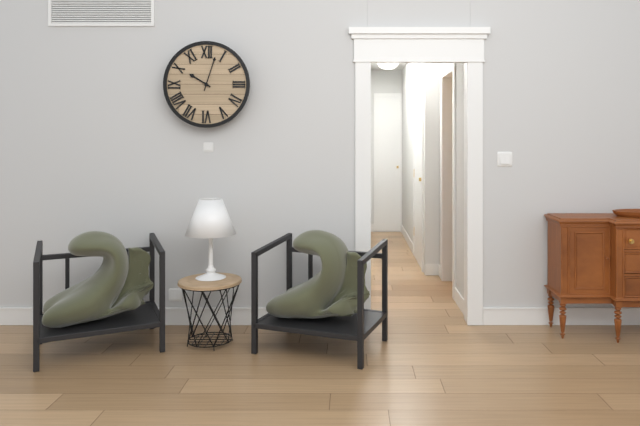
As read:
**10:03**
